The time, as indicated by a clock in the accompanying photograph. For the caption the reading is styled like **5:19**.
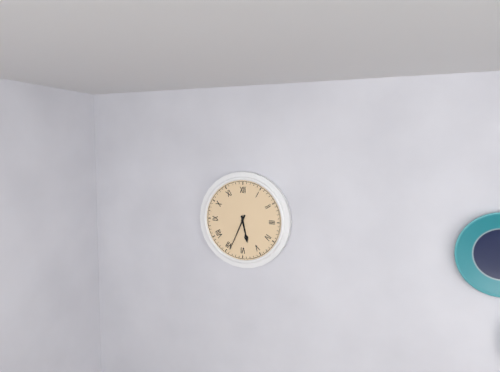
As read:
**5:34**
